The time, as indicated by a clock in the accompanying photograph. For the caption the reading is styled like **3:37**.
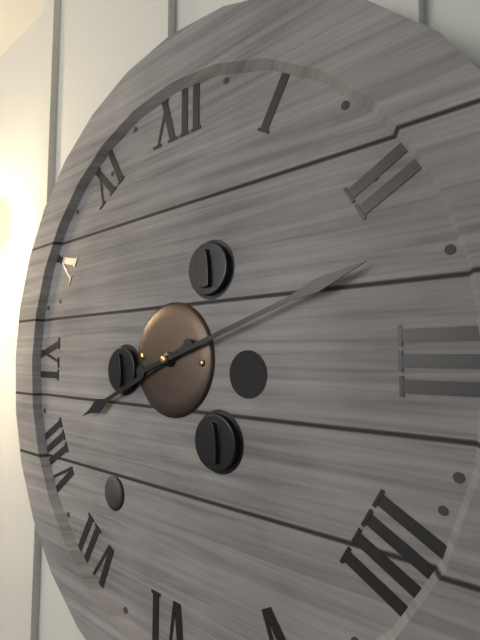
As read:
**8:12**
